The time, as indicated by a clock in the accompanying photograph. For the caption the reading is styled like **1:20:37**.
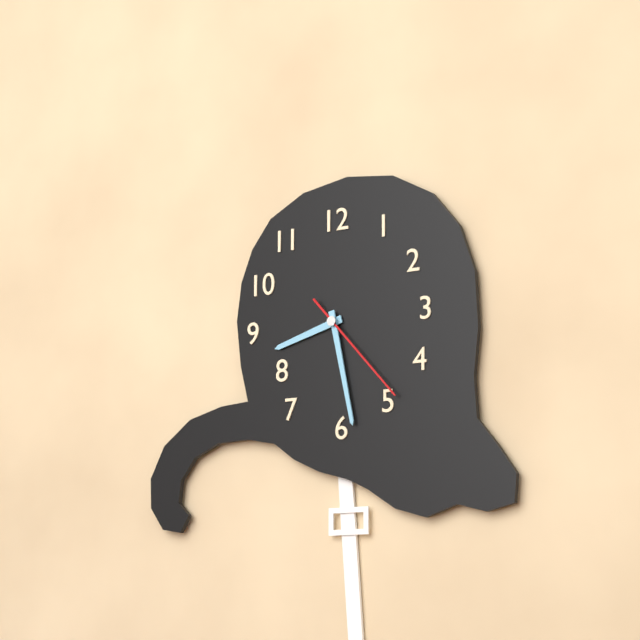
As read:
**8:28:23**
